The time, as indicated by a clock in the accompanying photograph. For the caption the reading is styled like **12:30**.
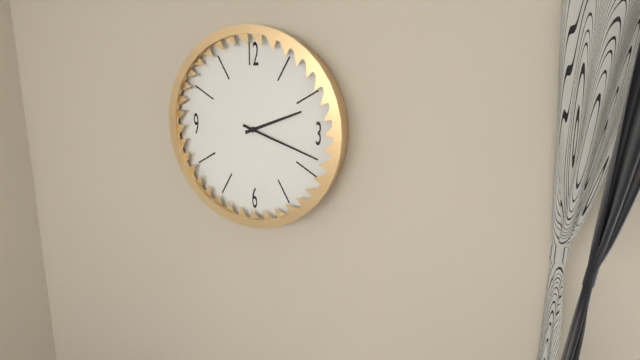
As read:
**2:18**
